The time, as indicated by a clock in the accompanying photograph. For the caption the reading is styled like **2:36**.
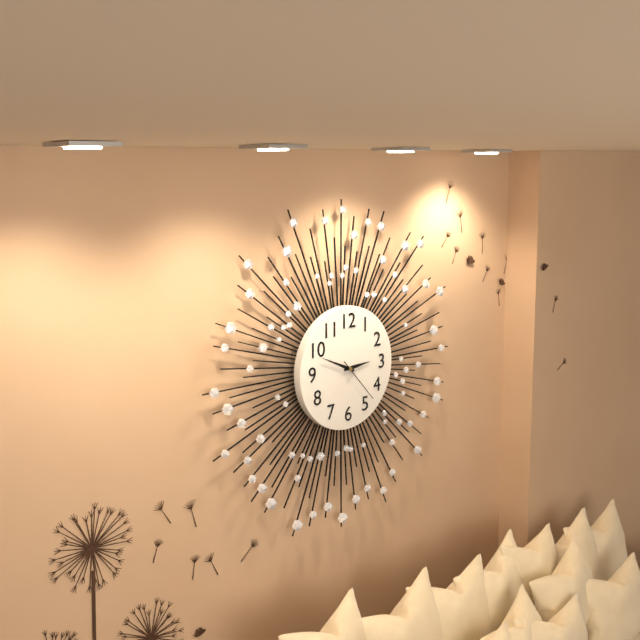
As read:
**2:49**
